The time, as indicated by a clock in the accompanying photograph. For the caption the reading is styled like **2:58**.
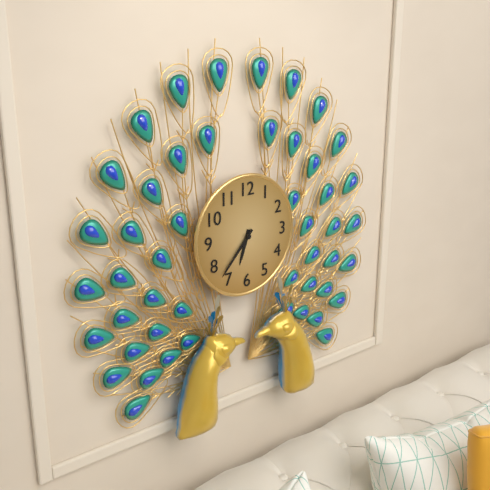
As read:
**6:37**
